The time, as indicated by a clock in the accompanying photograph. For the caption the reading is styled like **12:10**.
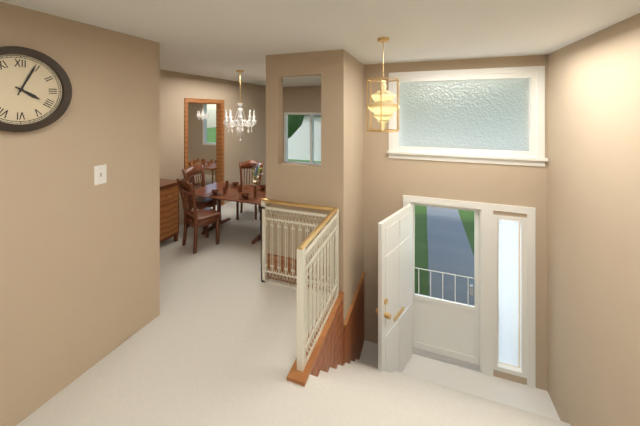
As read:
**4:04**
